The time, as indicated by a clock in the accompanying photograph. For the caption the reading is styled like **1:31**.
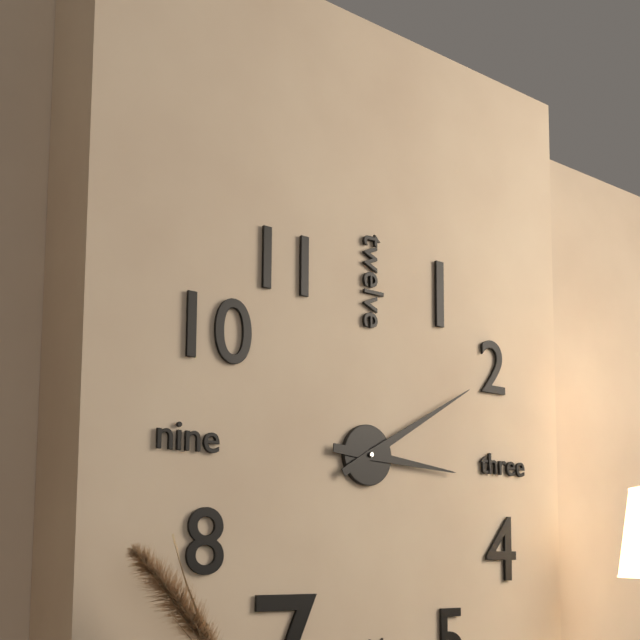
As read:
**3:10**
